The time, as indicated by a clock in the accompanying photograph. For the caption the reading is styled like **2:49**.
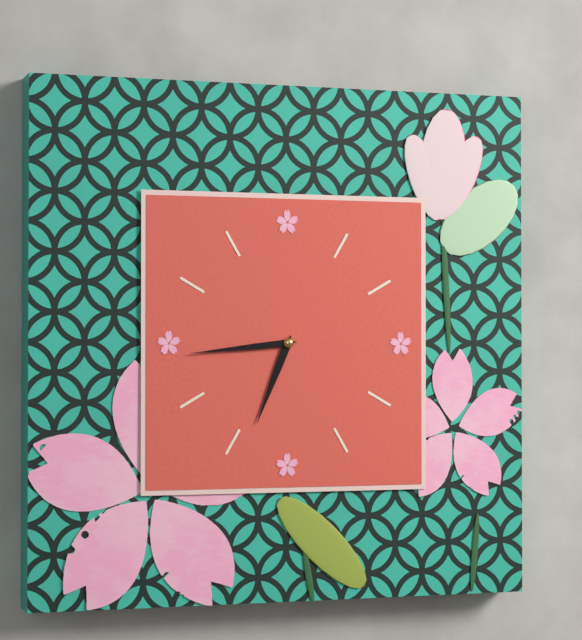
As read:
**6:44**
